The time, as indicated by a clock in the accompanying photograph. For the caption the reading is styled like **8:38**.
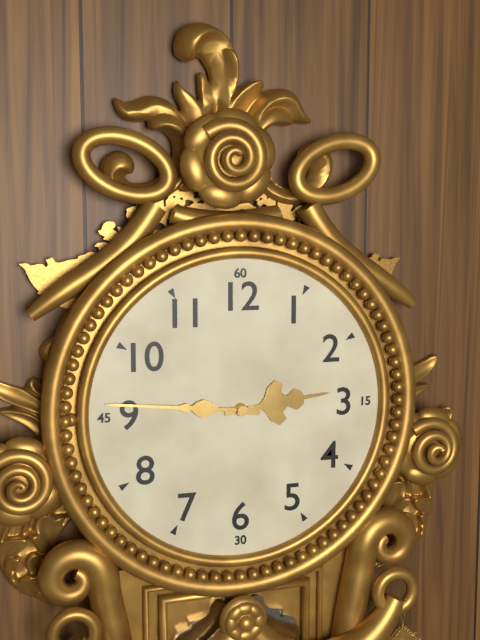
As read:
**2:46**
